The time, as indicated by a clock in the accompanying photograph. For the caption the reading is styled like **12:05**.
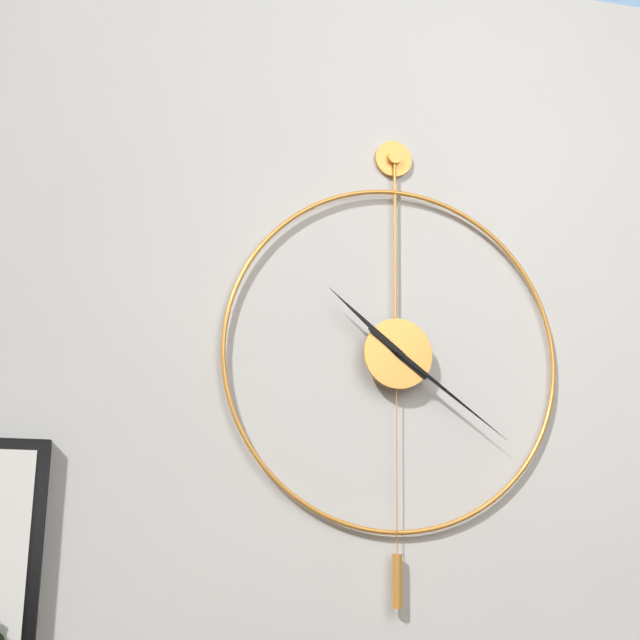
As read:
**10:21**
